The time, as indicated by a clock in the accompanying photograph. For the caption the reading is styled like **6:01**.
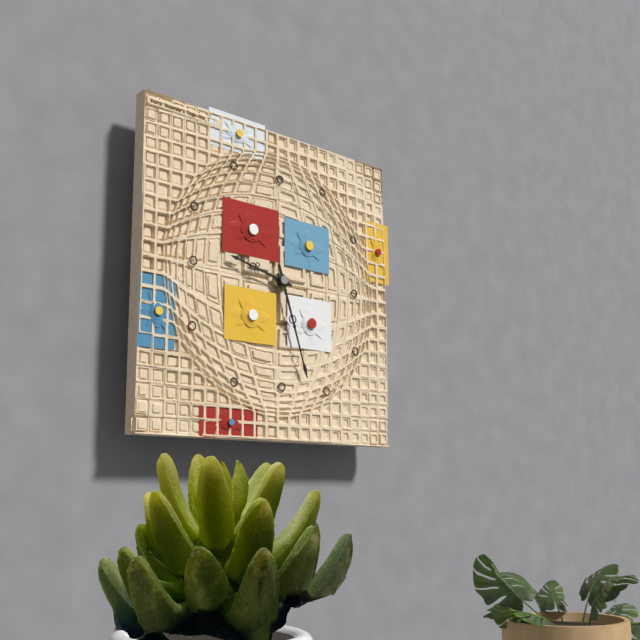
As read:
**9:27**
